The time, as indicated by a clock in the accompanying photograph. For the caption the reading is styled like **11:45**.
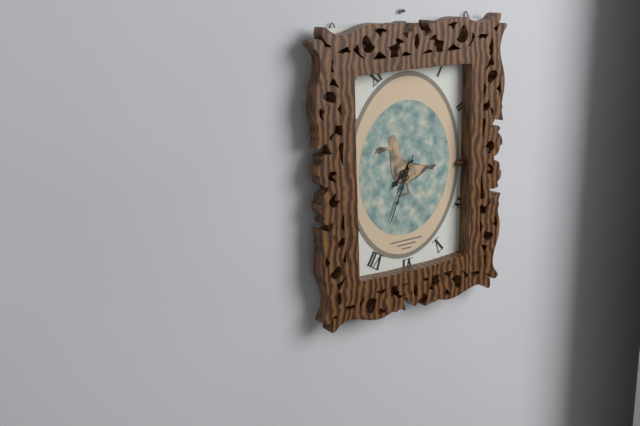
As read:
**7:34**
